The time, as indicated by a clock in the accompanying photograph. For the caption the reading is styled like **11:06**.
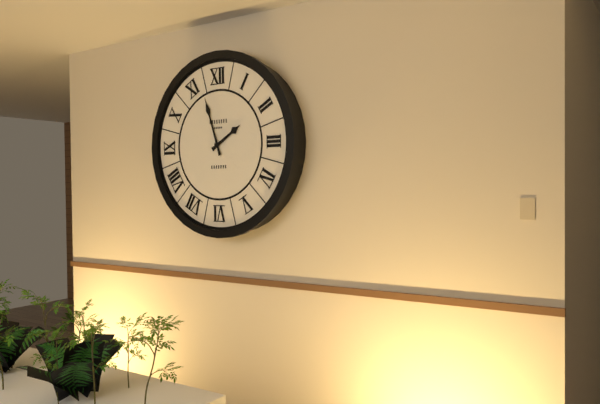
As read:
**1:57**
